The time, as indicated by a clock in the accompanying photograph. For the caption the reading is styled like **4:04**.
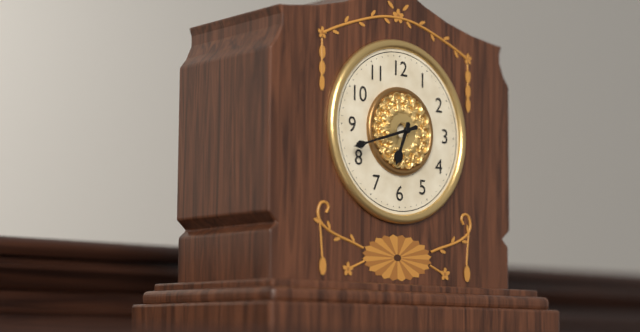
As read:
**6:42**
